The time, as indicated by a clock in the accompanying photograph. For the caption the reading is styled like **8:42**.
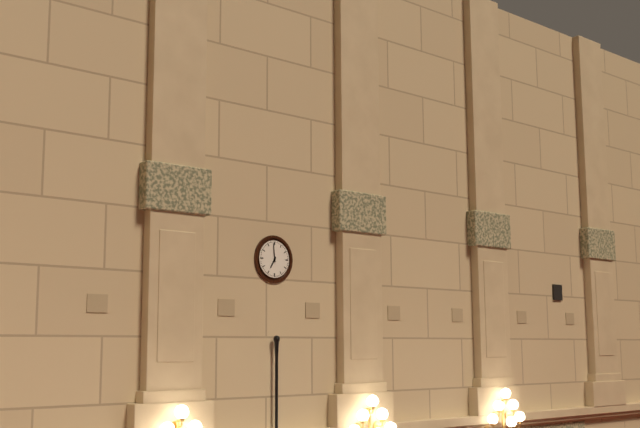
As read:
**6:59**
